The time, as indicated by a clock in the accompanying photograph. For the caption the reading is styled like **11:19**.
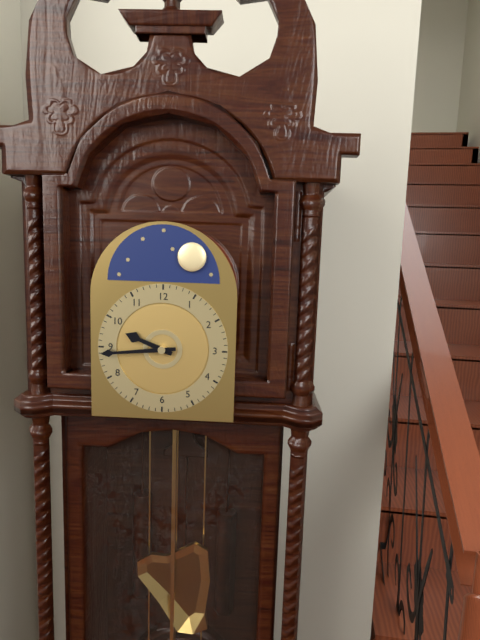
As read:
**9:44**
